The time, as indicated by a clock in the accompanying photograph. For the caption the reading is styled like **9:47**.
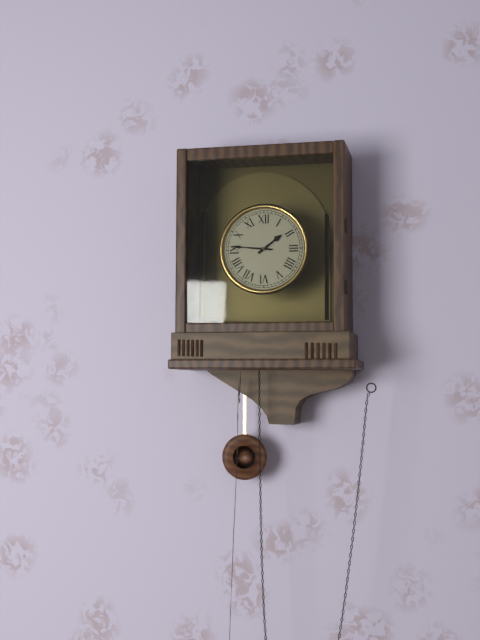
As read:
**1:46**
